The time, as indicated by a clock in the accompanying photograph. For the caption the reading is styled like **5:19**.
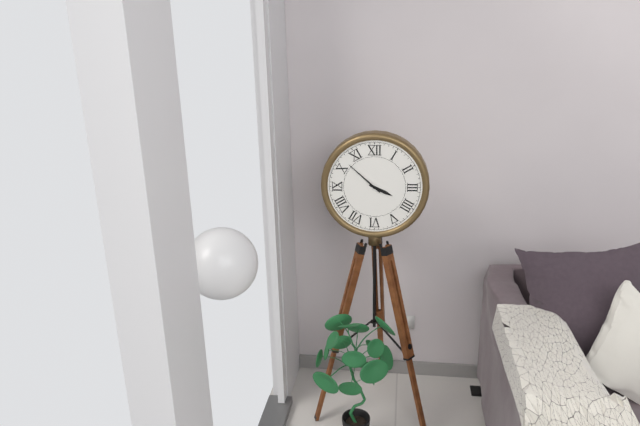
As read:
**3:52**
